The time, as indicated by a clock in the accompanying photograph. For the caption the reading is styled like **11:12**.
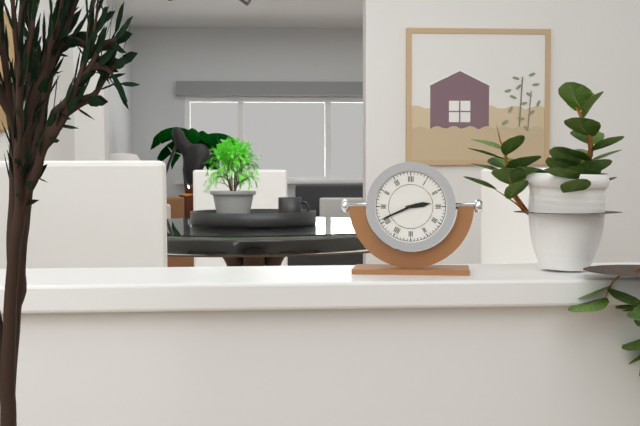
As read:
**2:41**
